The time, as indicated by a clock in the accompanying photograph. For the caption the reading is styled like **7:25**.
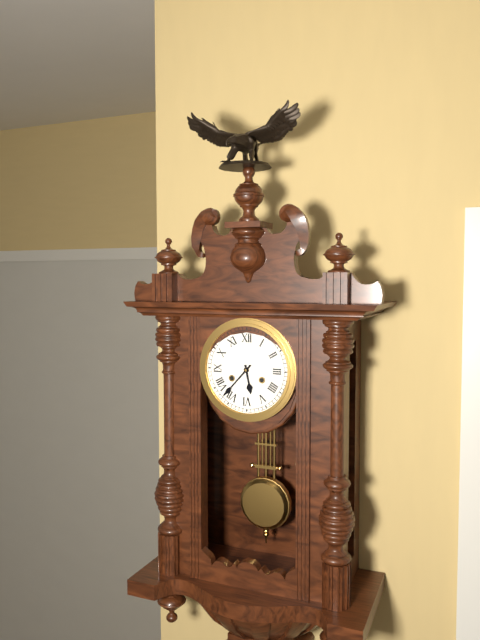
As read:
**5:37**
